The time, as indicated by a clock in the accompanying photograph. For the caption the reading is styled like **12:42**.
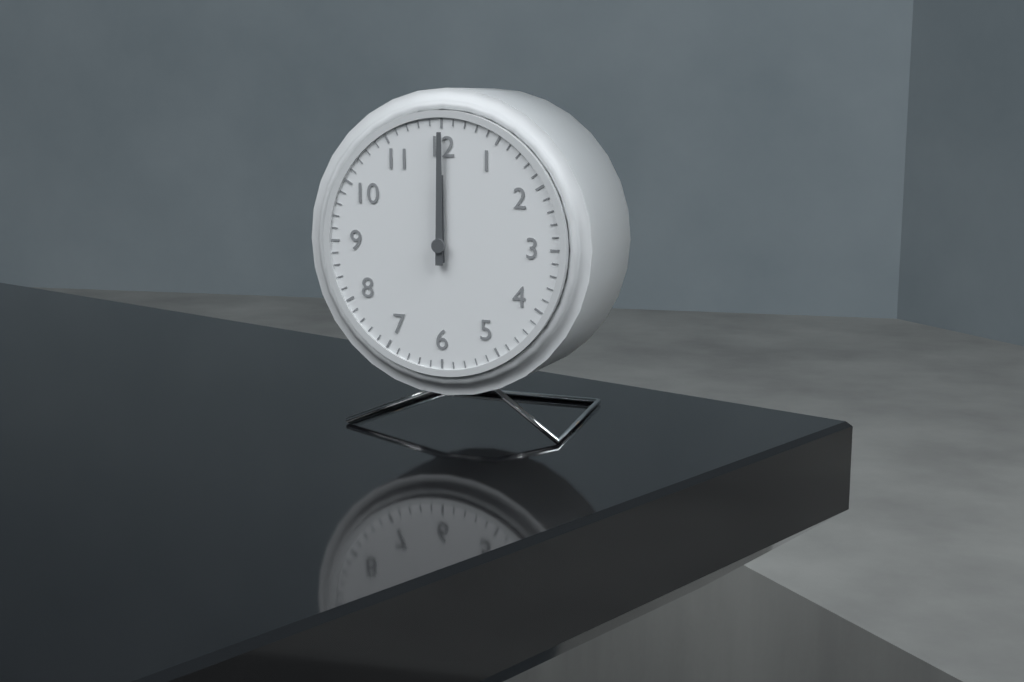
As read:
**12:00**
